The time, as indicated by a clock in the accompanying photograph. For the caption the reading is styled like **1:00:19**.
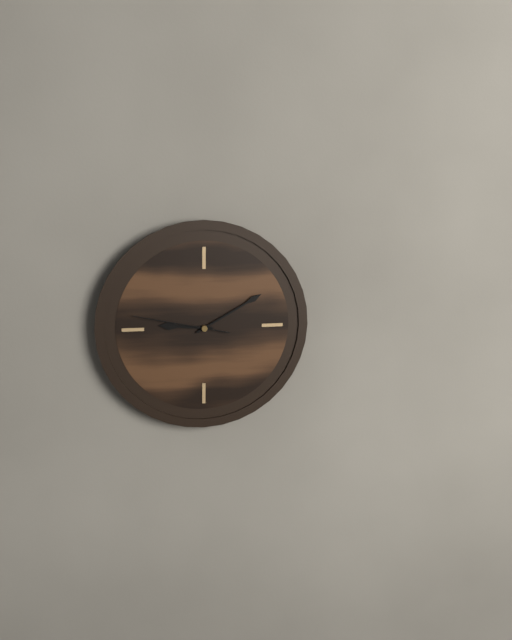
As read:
**9:10:47**
